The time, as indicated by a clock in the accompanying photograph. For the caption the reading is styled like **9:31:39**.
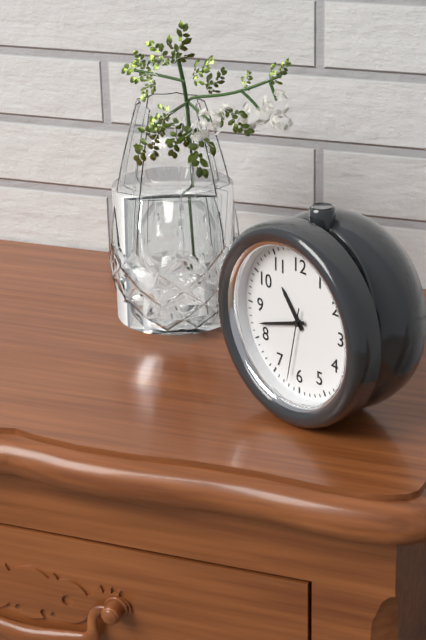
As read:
**10:42:32**
